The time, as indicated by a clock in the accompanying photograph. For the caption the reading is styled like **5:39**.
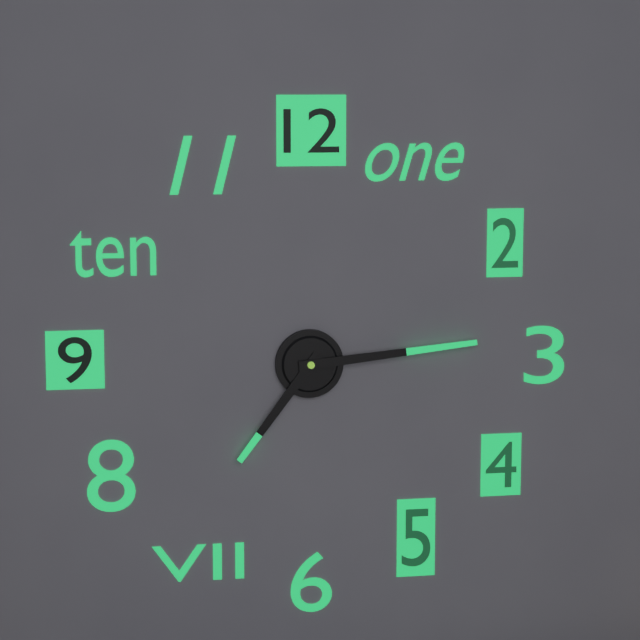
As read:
**7:14**
